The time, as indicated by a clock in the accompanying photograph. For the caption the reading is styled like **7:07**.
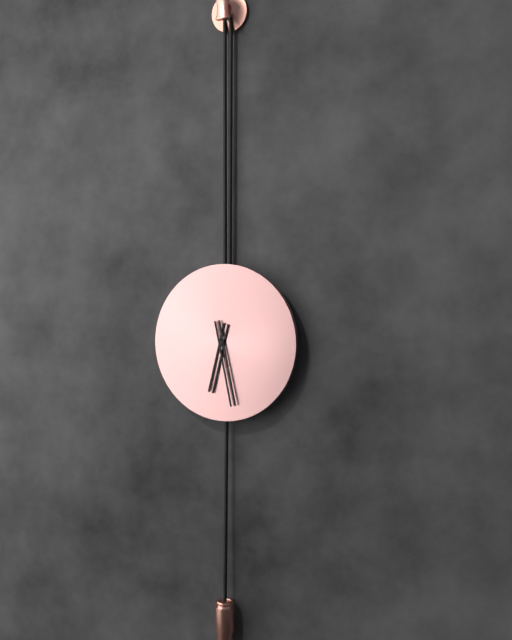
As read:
**6:28**
